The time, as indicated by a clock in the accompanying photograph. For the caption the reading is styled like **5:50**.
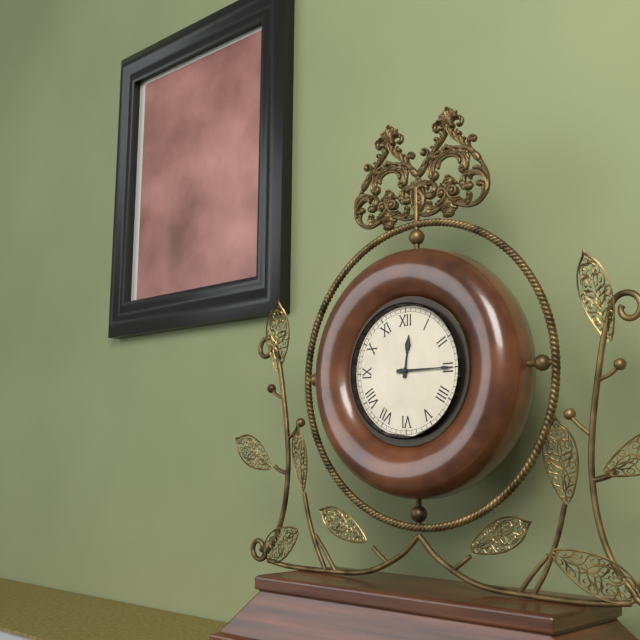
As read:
**12:15**
